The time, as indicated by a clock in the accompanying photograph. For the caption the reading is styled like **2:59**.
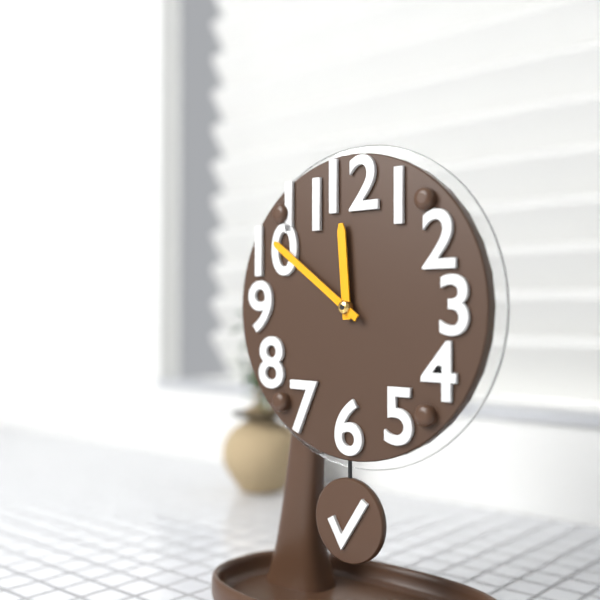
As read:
**11:51**
